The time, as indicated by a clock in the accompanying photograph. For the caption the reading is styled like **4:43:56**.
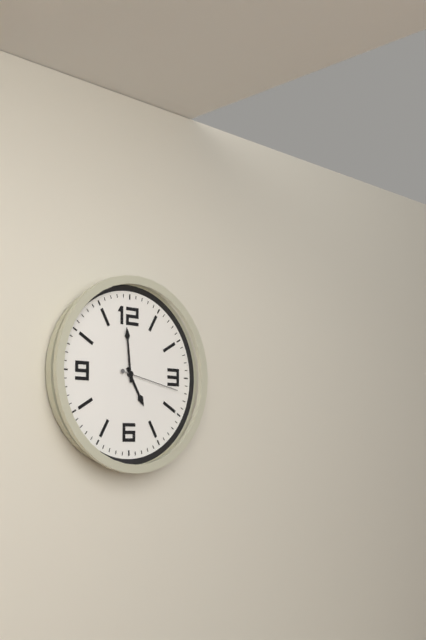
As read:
**4:59:17**
